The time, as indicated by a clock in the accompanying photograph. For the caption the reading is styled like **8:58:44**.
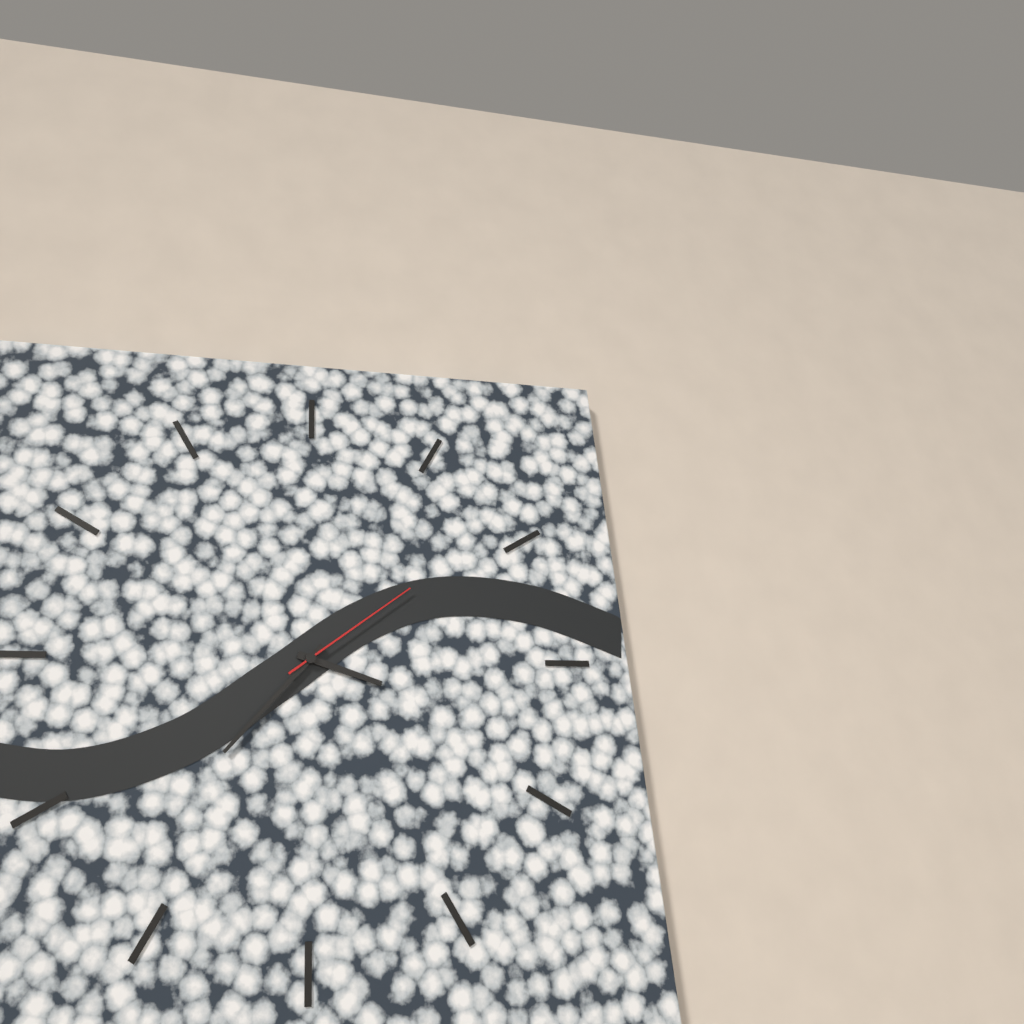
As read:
**3:37:09**
